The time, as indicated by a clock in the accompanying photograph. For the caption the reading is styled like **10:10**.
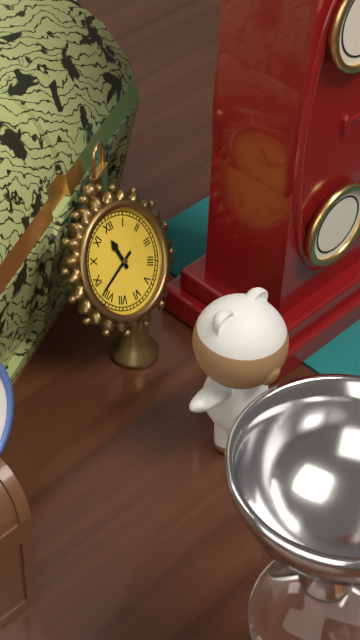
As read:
**11:42**
